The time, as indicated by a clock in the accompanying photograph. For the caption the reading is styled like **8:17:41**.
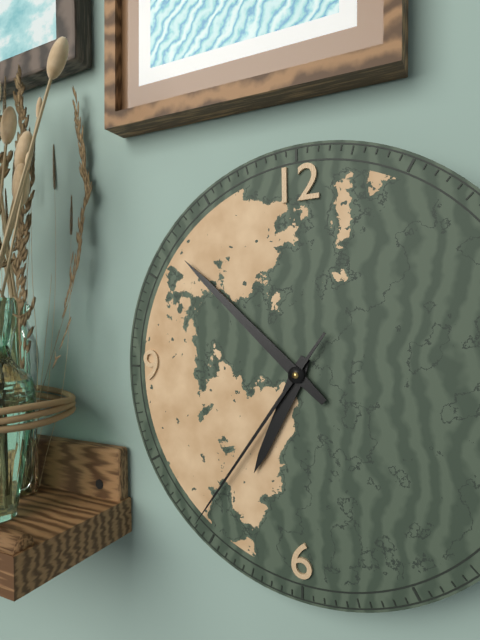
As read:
**6:52:36**
